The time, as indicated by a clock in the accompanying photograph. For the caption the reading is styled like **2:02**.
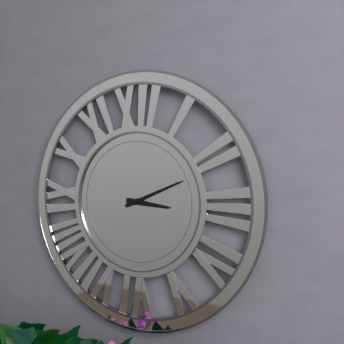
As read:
**3:11**
